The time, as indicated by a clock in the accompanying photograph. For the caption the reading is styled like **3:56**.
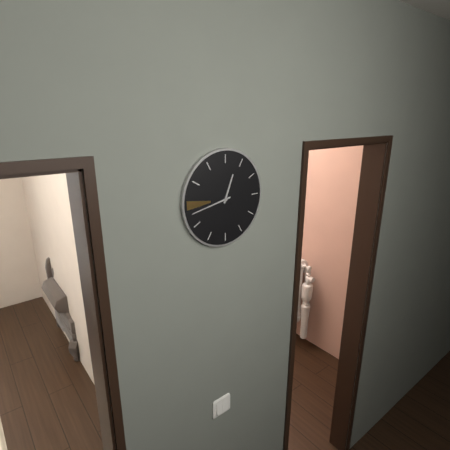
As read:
**12:43**
